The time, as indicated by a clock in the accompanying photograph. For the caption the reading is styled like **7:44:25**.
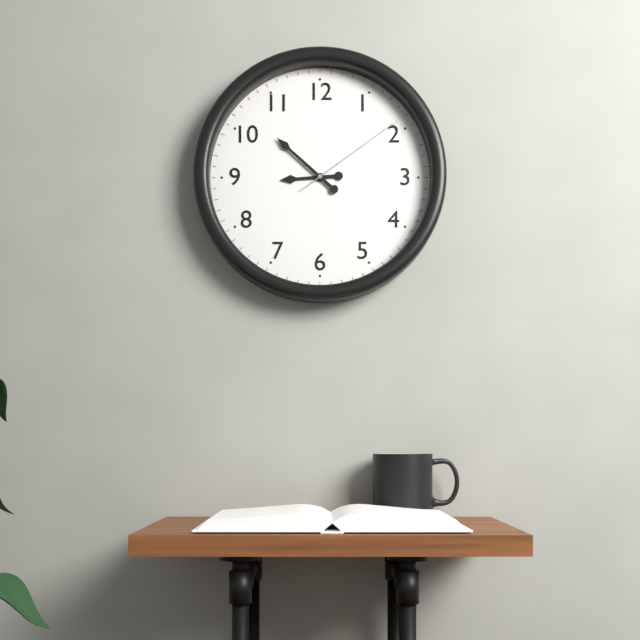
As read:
**8:52:09**
